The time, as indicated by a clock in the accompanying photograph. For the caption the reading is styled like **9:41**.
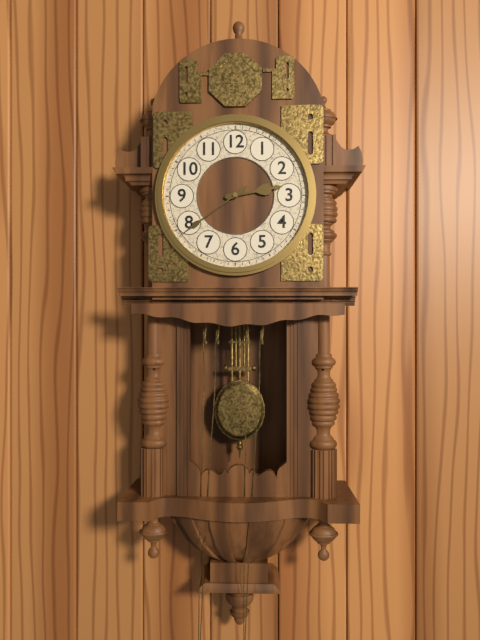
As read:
**2:39**
